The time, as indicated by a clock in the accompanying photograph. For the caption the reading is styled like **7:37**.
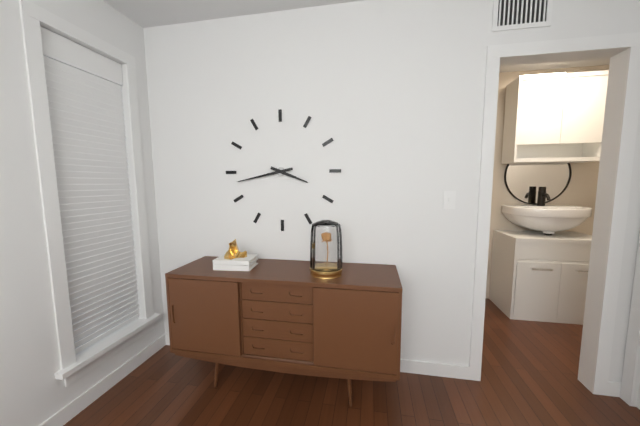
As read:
**3:43**
